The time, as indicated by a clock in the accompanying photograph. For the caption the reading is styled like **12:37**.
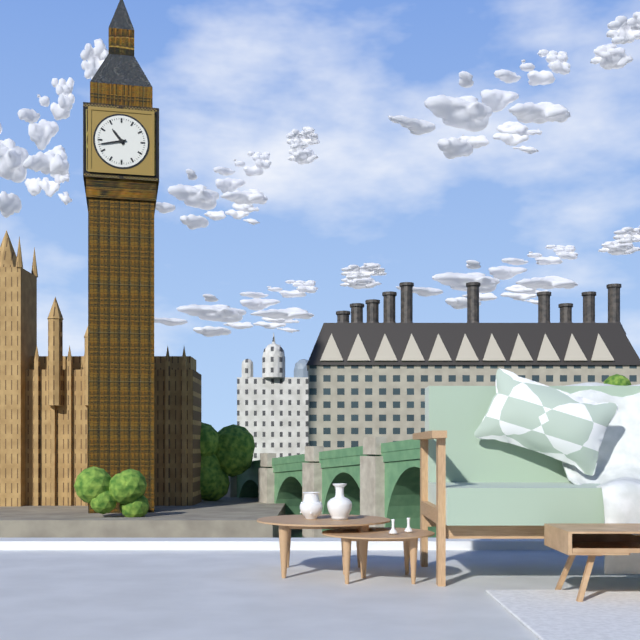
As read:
**10:43**
